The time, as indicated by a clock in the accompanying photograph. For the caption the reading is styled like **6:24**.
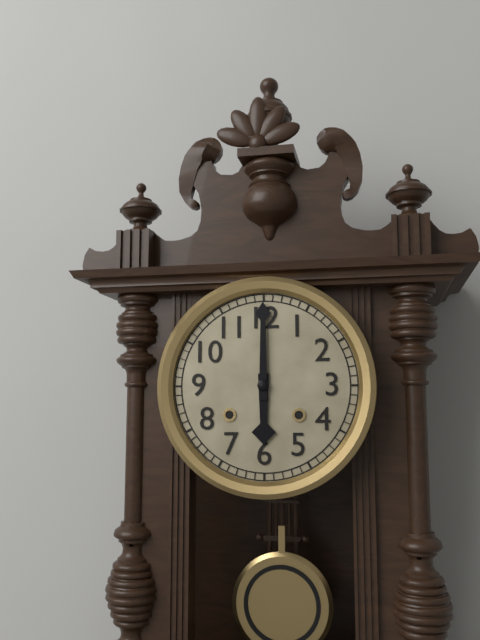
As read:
**6:00**
